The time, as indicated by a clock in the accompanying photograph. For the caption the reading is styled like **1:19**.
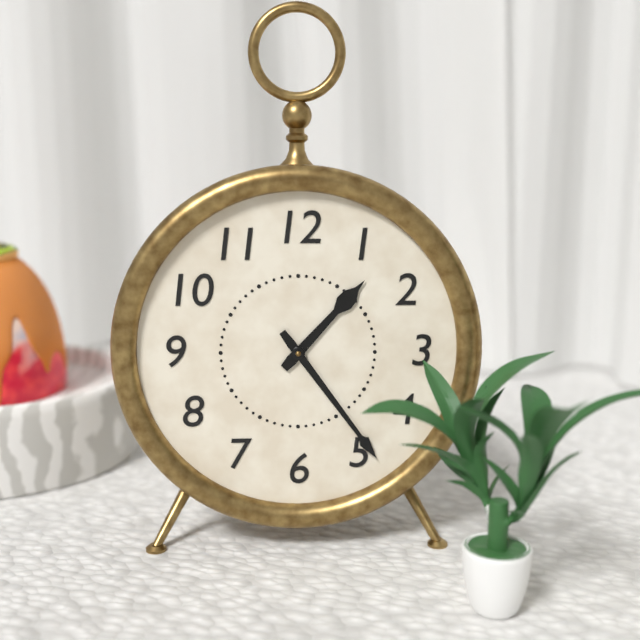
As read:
**1:24**
